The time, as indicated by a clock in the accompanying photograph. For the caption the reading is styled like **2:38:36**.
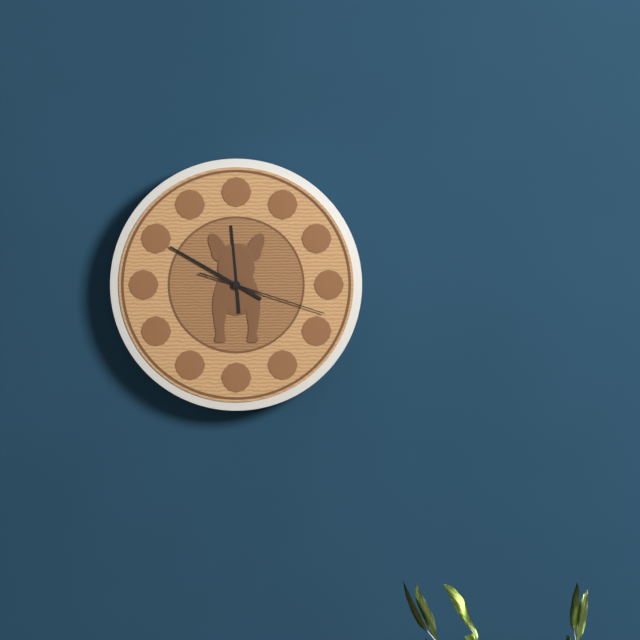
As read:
**11:50:18**
